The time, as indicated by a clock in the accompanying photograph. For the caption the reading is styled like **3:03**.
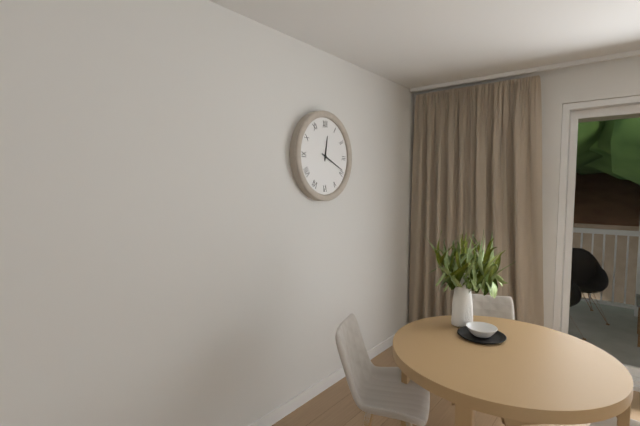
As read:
**12:19**
